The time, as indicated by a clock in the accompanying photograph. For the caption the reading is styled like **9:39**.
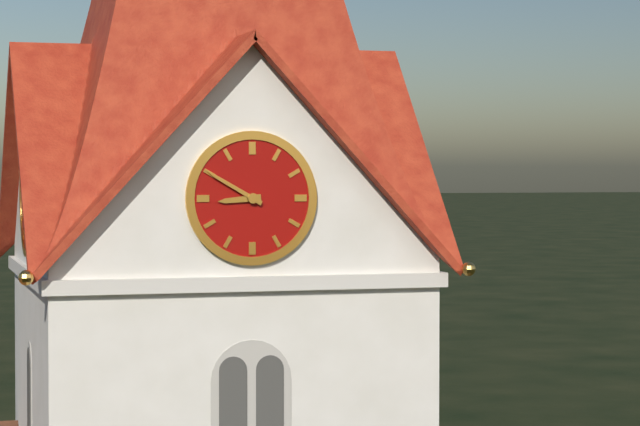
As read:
**8:50**
